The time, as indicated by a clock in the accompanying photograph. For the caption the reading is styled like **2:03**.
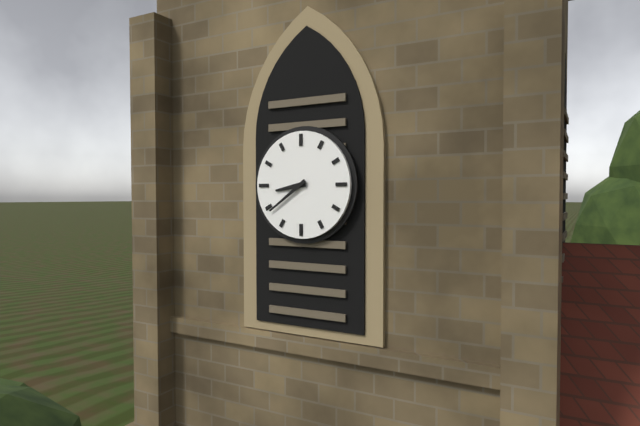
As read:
**8:39**
